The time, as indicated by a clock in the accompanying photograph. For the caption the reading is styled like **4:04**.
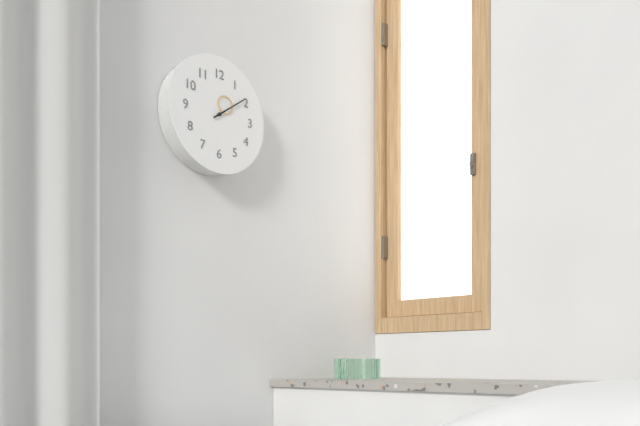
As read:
**1:09**
